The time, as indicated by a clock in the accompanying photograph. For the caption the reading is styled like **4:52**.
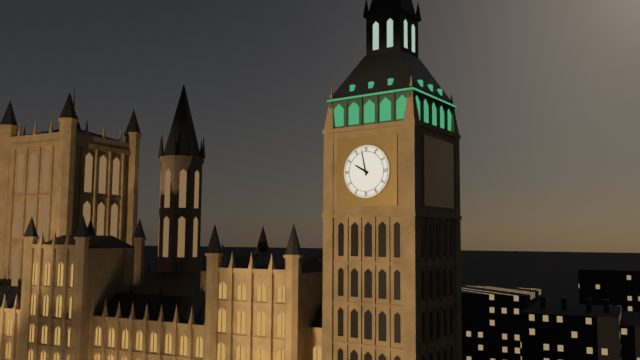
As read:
**9:58**
